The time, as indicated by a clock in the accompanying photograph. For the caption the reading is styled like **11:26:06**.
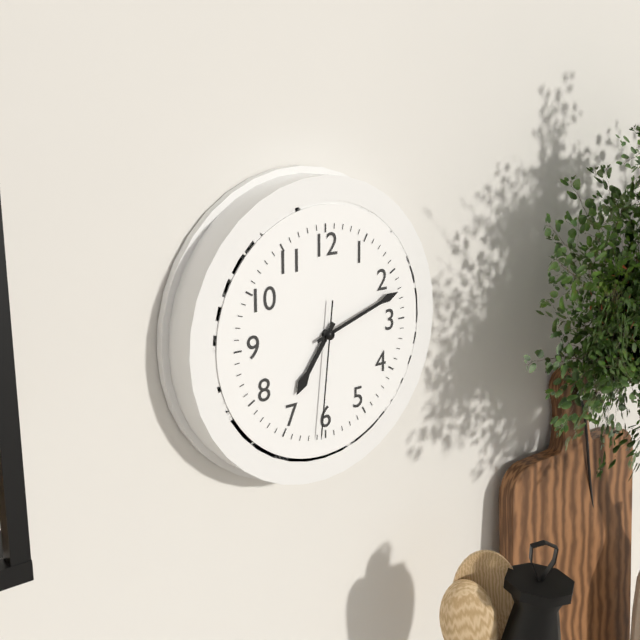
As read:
**7:12:31**
